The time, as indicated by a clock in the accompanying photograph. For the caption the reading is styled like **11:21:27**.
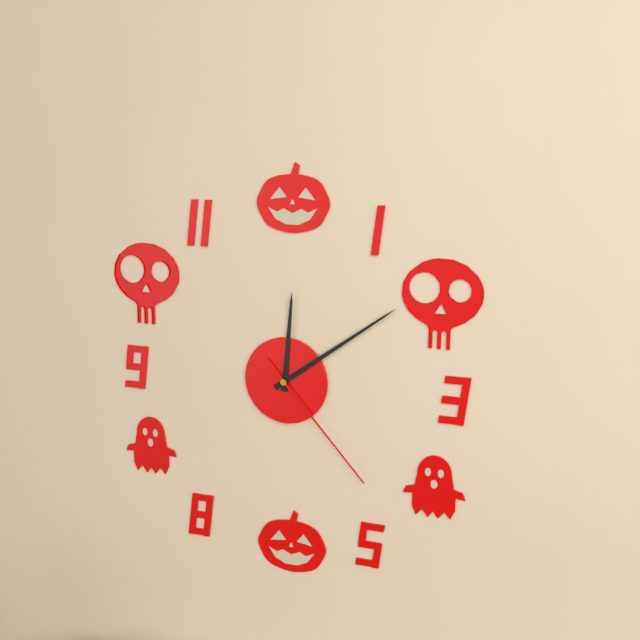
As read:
**12:09:23**
